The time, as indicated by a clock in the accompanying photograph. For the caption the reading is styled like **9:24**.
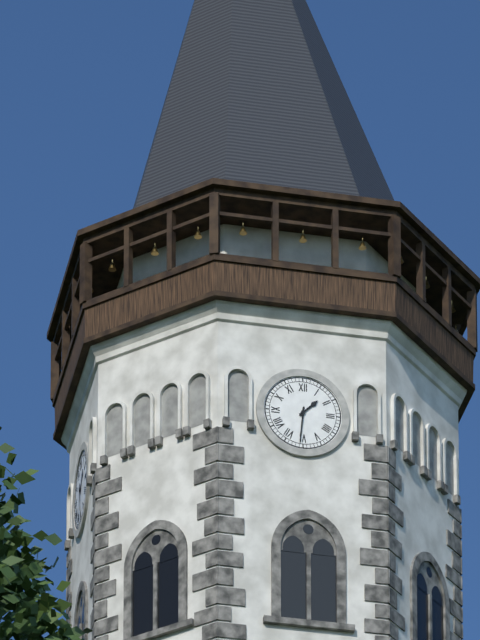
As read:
**1:31**
